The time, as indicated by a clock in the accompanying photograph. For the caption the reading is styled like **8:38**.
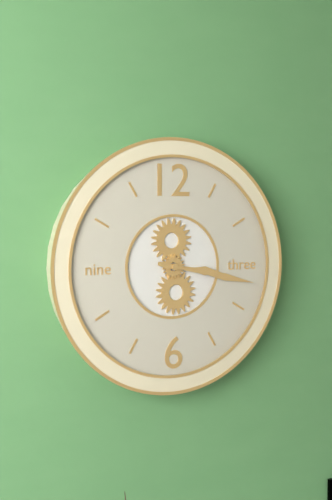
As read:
**3:17**
